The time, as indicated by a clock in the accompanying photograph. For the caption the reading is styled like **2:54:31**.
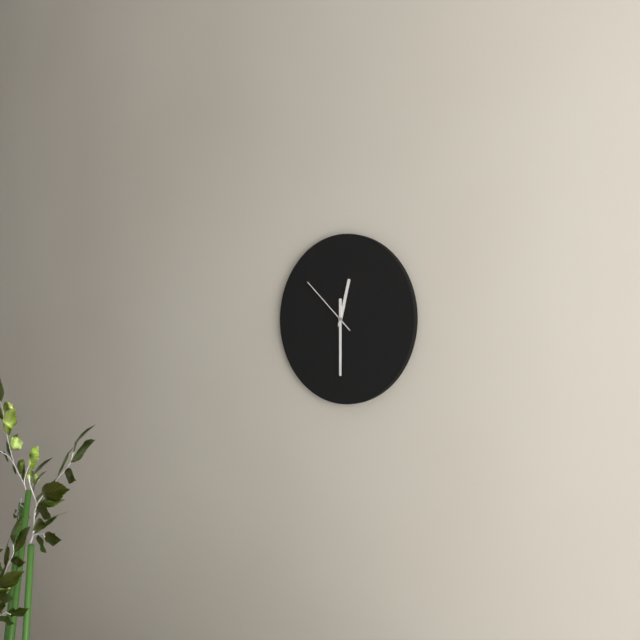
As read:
**12:30:52**
